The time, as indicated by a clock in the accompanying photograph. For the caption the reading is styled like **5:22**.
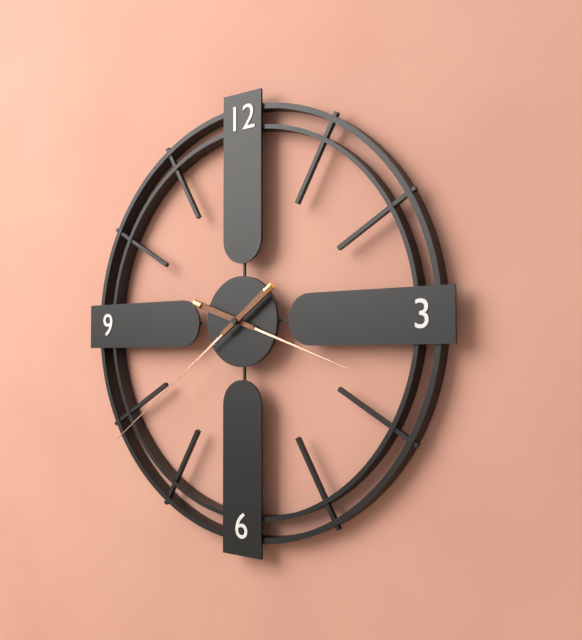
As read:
**3:39**
